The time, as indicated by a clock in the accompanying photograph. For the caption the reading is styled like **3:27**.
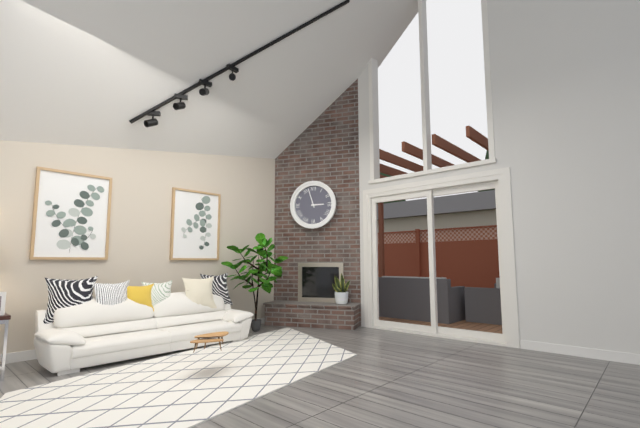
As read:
**2:57**
